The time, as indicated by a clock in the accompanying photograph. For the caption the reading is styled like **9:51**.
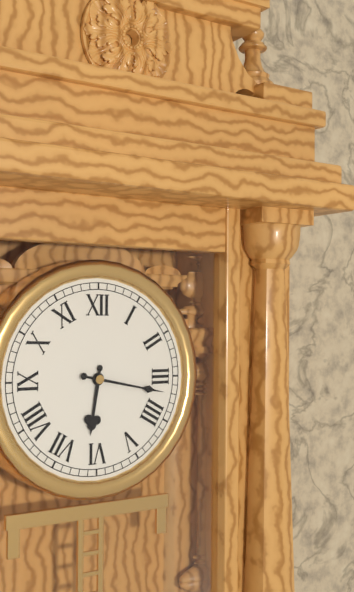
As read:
**6:17**
